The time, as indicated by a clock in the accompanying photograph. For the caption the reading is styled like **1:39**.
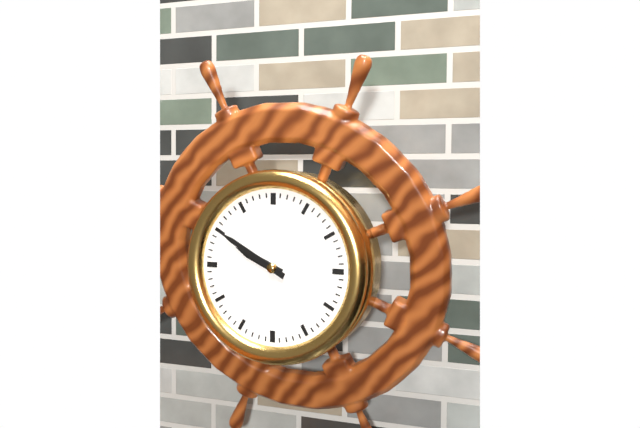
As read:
**9:50**
